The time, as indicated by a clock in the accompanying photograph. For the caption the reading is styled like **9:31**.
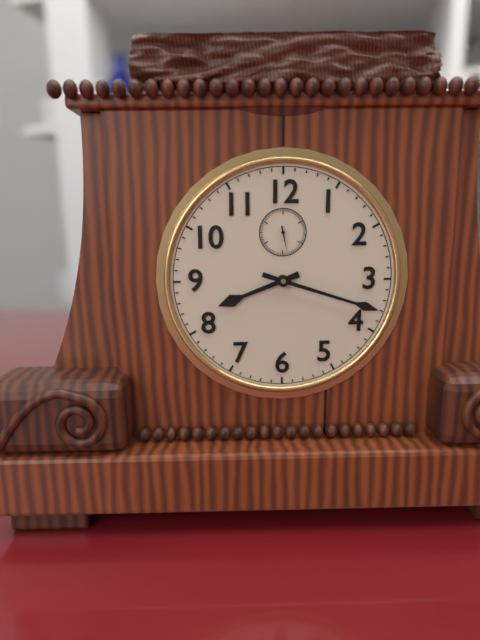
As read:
**8:18**
